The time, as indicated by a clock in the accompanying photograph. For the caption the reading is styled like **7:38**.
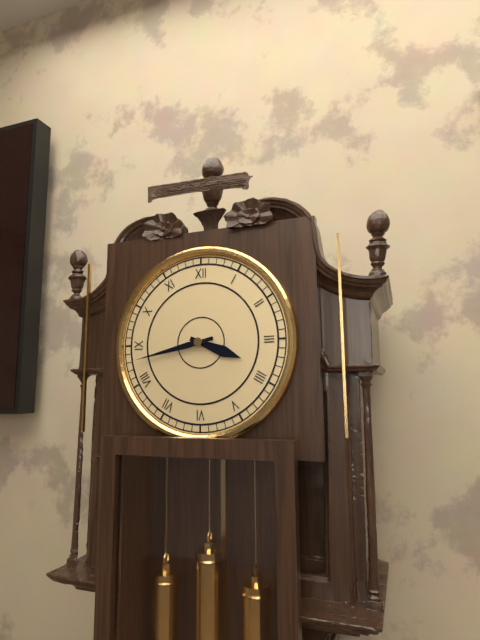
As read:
**3:43**
